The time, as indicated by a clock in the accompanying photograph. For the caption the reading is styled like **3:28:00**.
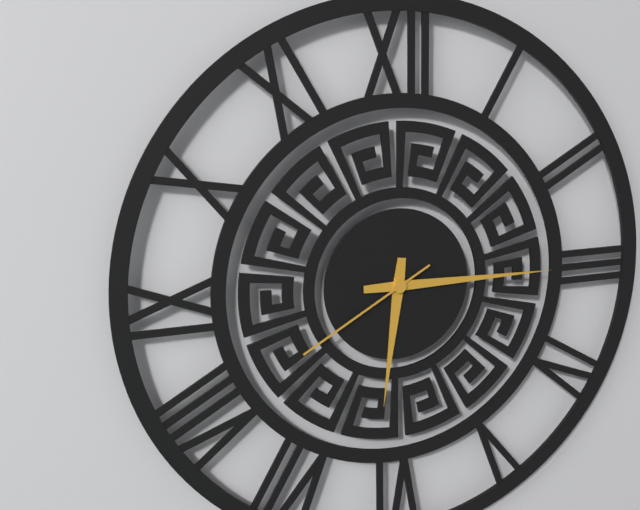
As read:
**6:15:40**
